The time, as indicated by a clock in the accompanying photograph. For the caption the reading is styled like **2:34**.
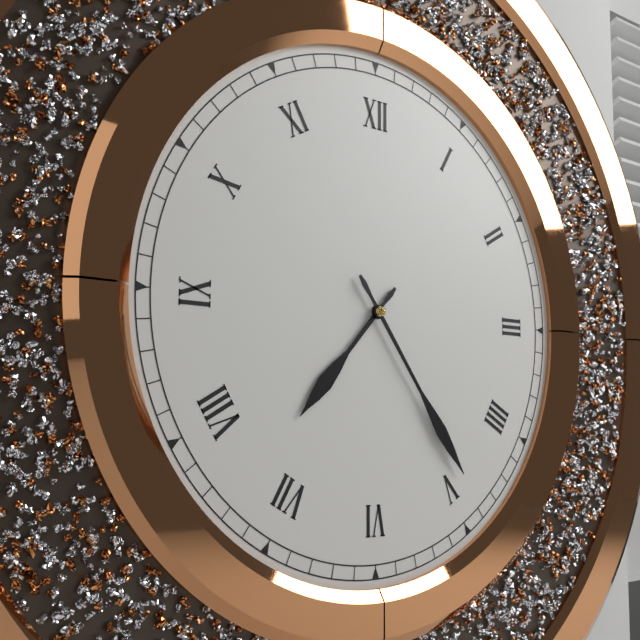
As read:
**7:24**
